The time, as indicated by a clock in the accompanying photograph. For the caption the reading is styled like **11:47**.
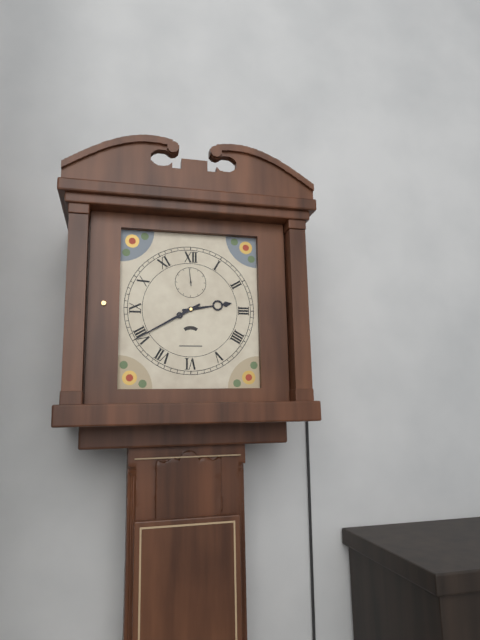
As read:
**2:40**
